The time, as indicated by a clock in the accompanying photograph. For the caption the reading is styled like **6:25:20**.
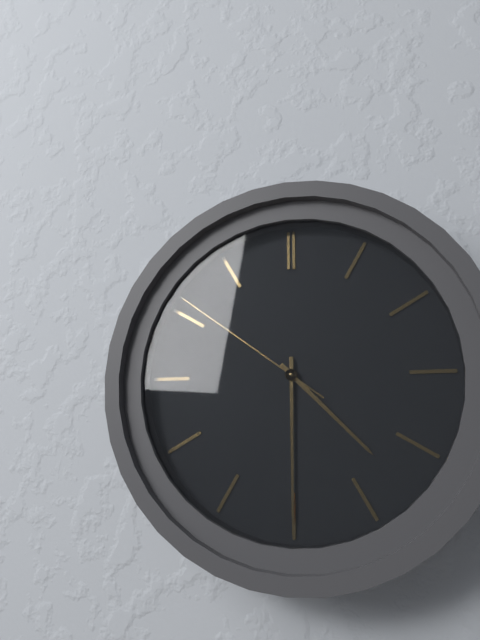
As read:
**4:30:51**
